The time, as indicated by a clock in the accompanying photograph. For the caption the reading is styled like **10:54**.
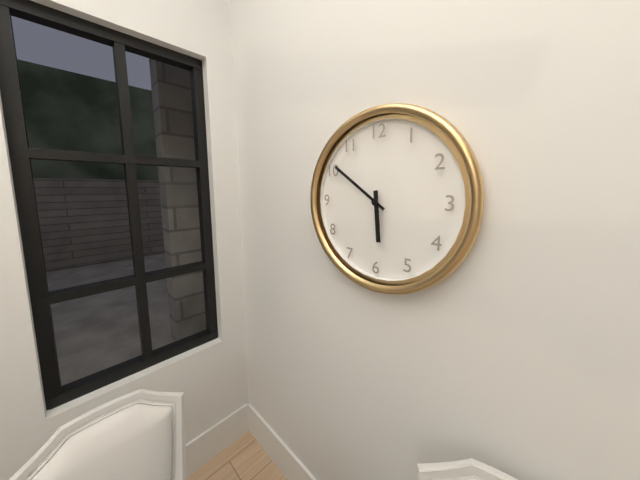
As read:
**5:51**
